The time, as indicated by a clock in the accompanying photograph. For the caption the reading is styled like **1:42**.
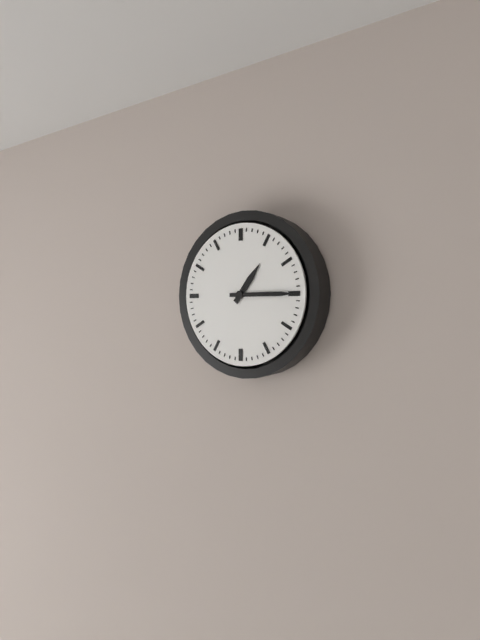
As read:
**1:15**
